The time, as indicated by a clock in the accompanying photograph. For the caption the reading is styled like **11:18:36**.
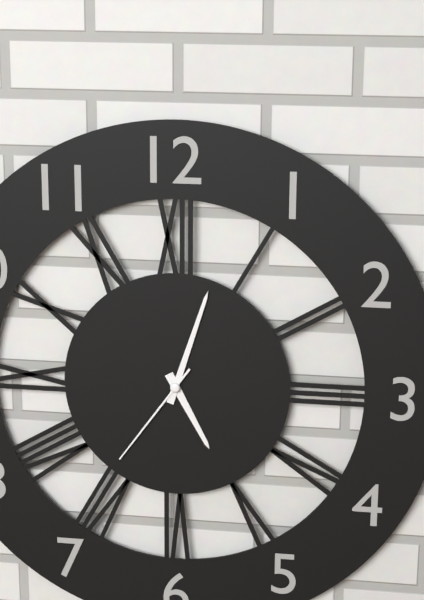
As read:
**5:03:36**
